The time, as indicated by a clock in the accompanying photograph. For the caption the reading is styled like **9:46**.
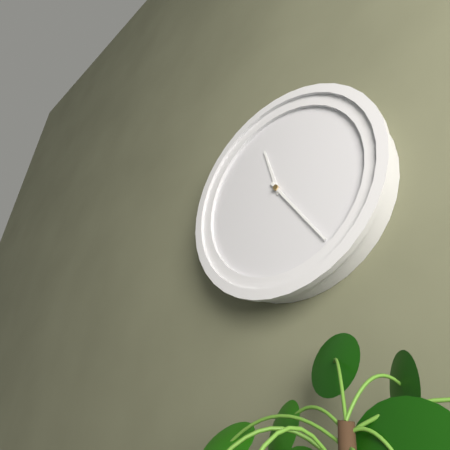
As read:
**11:24**
